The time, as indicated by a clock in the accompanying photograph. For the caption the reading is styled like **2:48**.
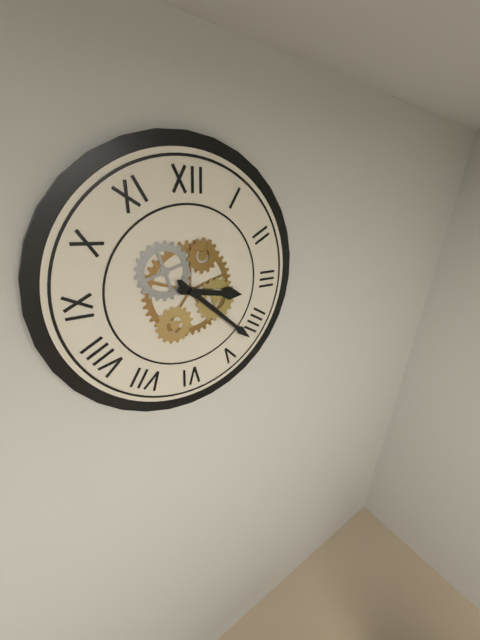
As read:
**3:22**
